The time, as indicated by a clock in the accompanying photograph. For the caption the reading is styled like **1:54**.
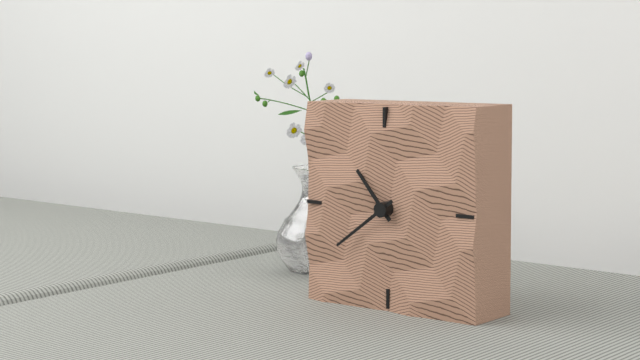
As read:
**10:39**
